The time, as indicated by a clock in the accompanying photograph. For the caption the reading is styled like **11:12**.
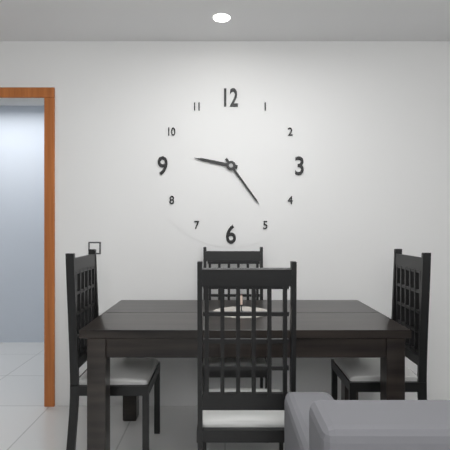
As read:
**9:24**
